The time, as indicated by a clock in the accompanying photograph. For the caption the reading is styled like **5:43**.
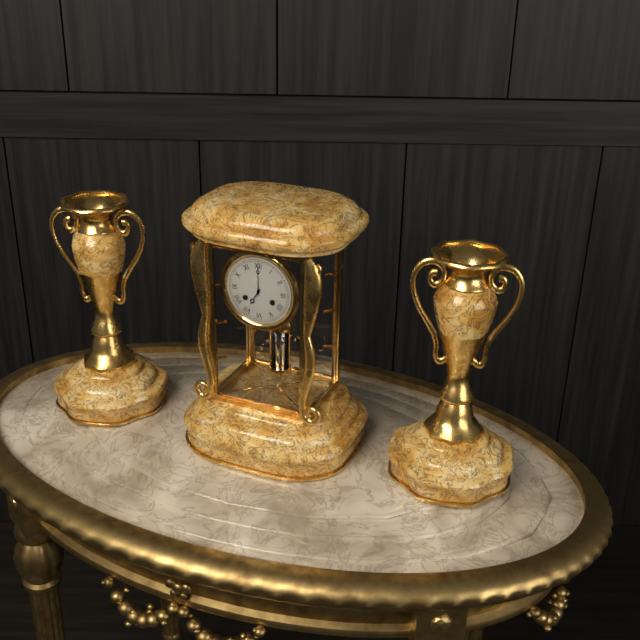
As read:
**7:00**
